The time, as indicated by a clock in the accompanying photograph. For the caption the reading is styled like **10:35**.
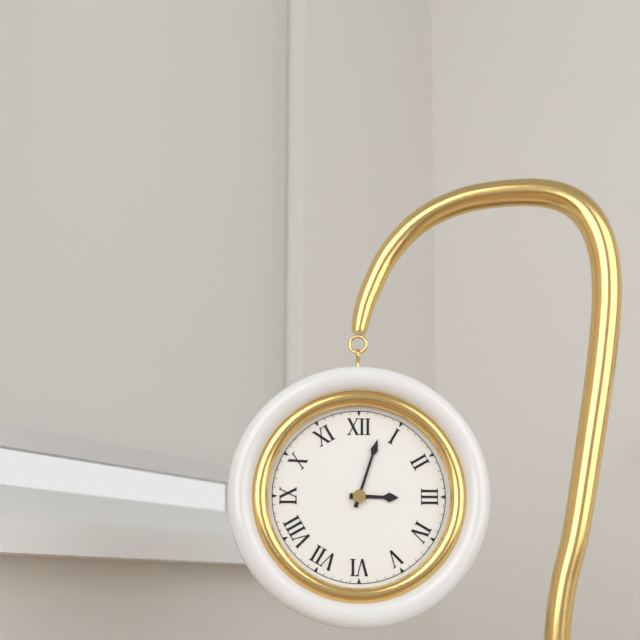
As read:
**3:03**
